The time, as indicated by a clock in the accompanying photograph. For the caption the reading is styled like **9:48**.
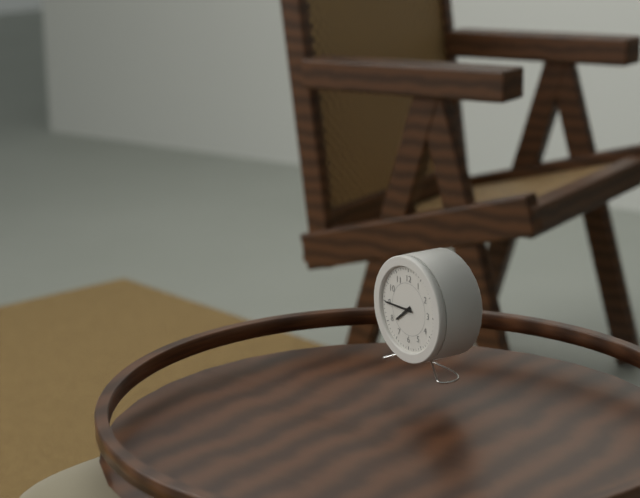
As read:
**7:45**
